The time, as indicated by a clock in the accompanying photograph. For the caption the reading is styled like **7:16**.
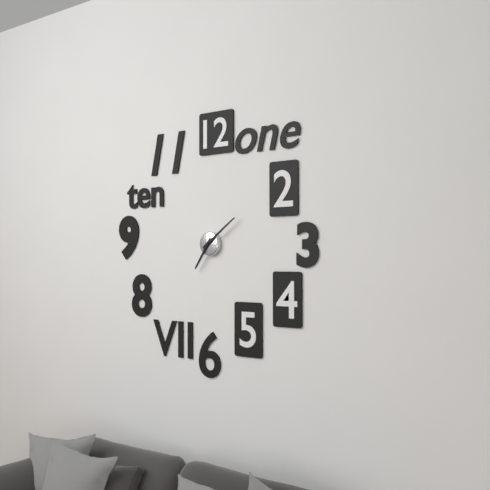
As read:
**7:09**
